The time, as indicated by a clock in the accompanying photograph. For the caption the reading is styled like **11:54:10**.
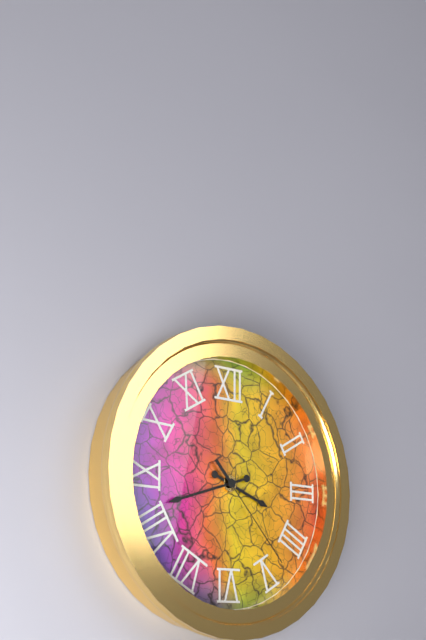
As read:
**3:42:23**
